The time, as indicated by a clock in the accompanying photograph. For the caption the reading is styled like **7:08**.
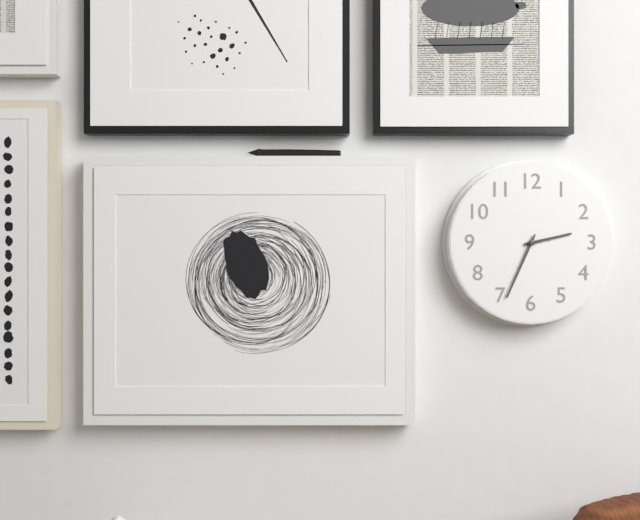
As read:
**2:34**
